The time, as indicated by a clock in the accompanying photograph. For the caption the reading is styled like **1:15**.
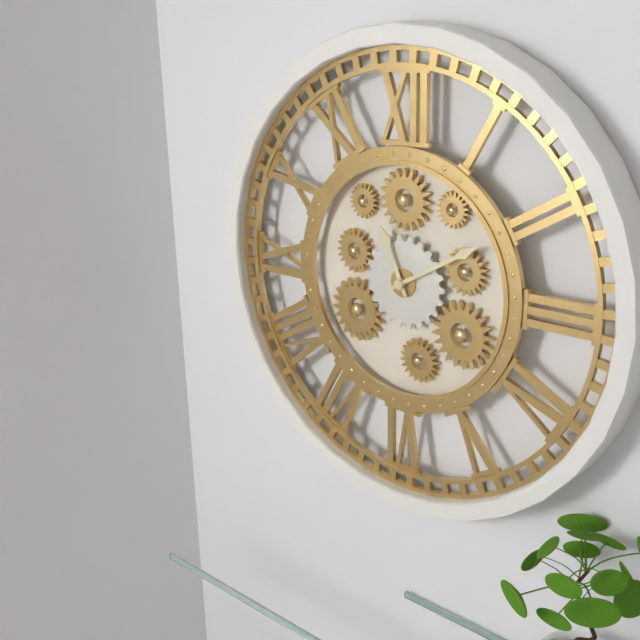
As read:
**11:10**
